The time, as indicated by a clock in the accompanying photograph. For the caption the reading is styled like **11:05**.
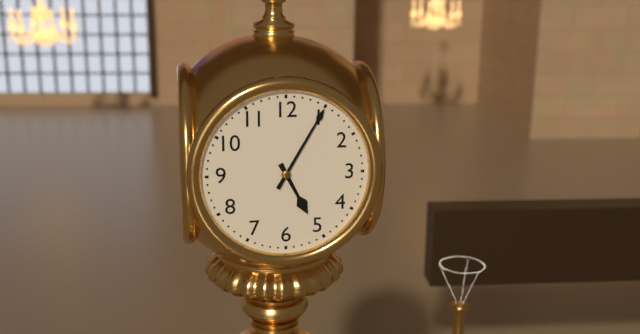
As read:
**5:05**
